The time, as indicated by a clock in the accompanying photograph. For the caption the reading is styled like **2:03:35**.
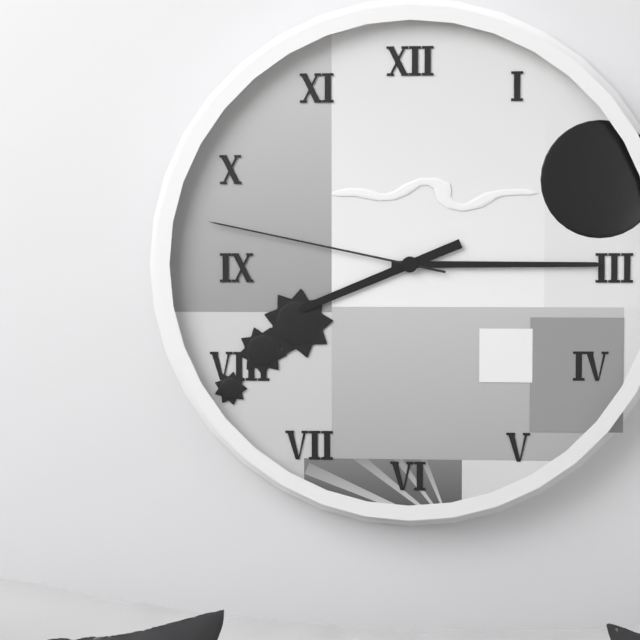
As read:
**8:15:47**
